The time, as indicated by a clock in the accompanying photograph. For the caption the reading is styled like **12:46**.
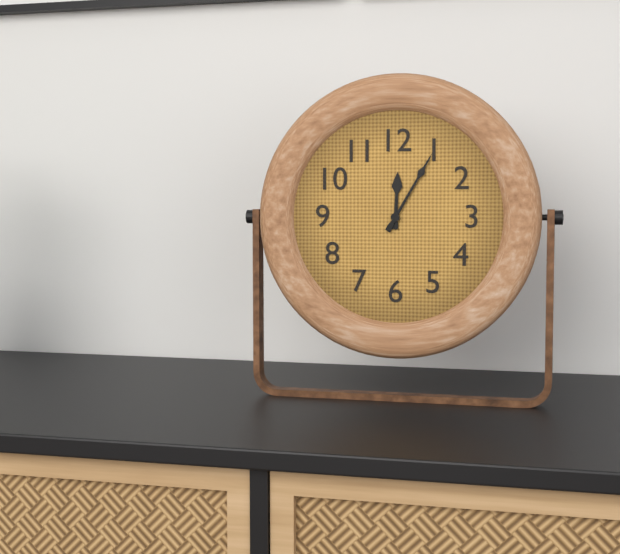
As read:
**12:05**
